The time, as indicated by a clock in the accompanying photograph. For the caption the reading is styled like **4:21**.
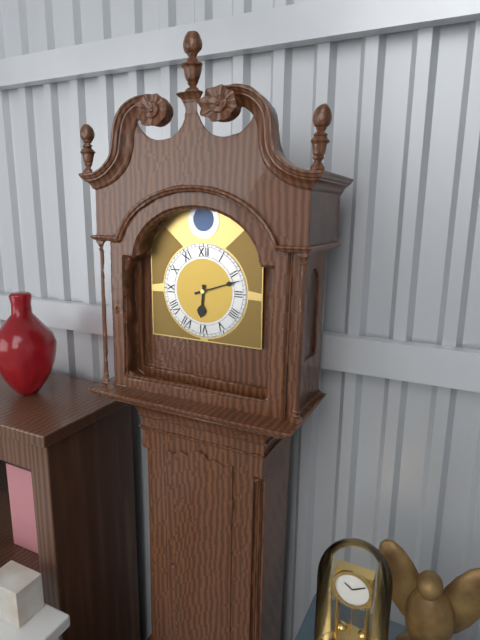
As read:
**6:12**
